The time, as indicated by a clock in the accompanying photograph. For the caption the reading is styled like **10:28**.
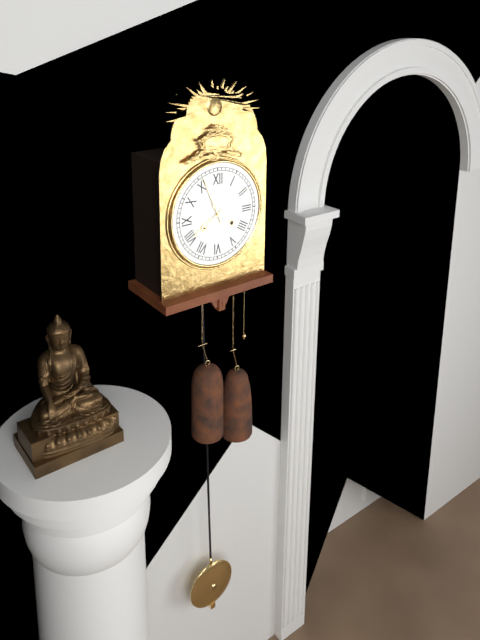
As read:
**7:56**
